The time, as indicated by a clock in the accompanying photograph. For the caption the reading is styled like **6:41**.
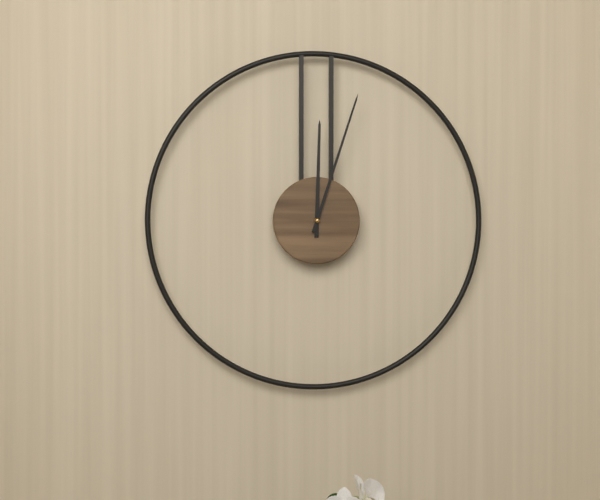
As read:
**12:03**
